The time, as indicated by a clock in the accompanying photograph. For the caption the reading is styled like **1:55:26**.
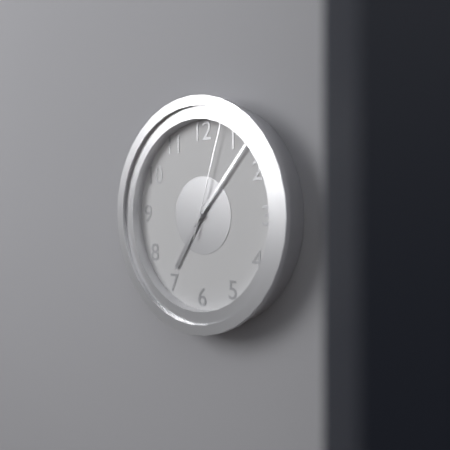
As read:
**7:07:03**
